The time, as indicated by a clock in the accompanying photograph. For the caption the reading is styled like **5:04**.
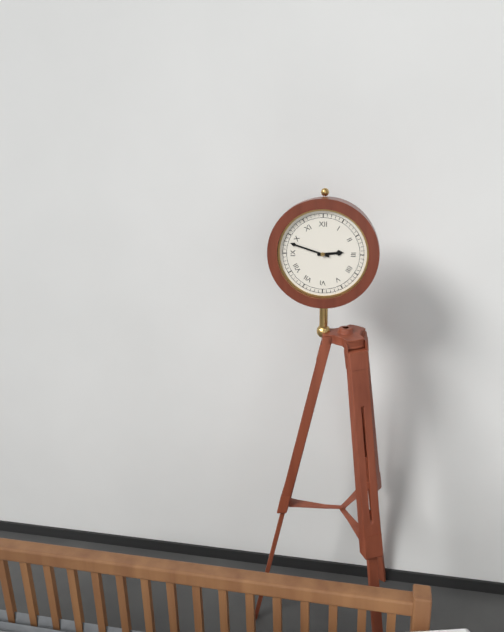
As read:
**2:48**
